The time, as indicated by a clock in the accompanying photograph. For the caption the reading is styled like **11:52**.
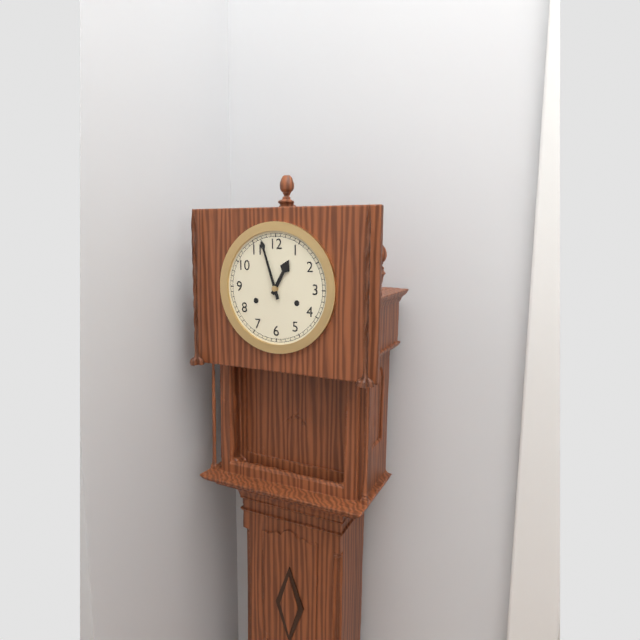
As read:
**12:57**
